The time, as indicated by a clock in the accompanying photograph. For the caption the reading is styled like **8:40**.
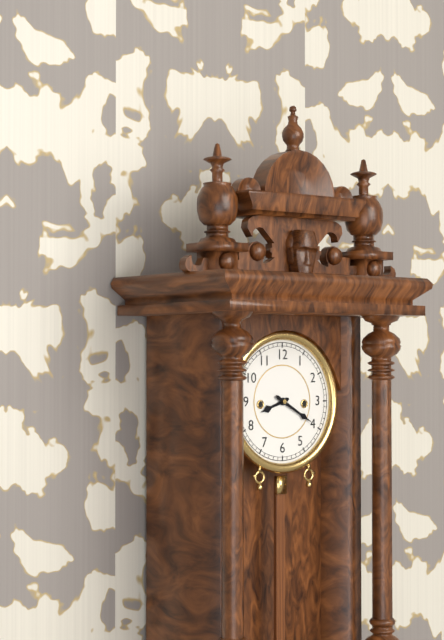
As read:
**8:20**
